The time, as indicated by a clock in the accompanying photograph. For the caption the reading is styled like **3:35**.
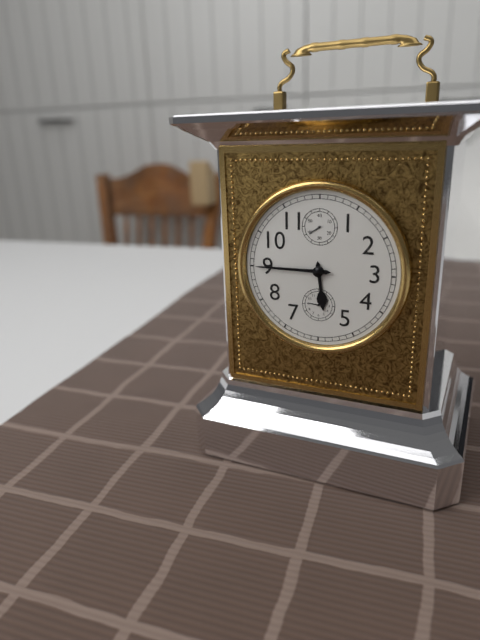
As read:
**5:45**
